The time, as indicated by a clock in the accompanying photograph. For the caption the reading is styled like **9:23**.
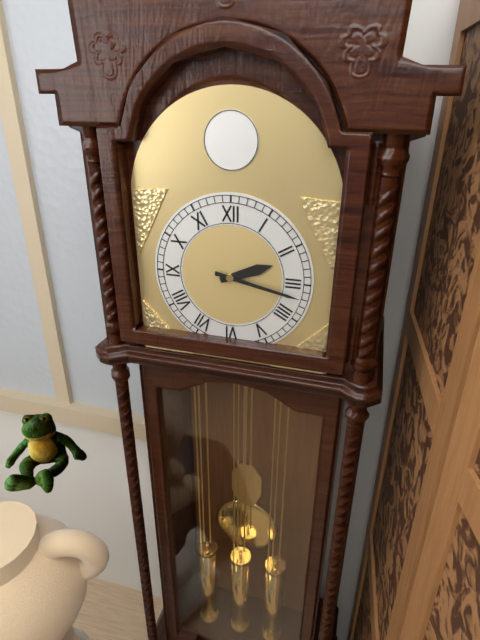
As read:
**2:17**
